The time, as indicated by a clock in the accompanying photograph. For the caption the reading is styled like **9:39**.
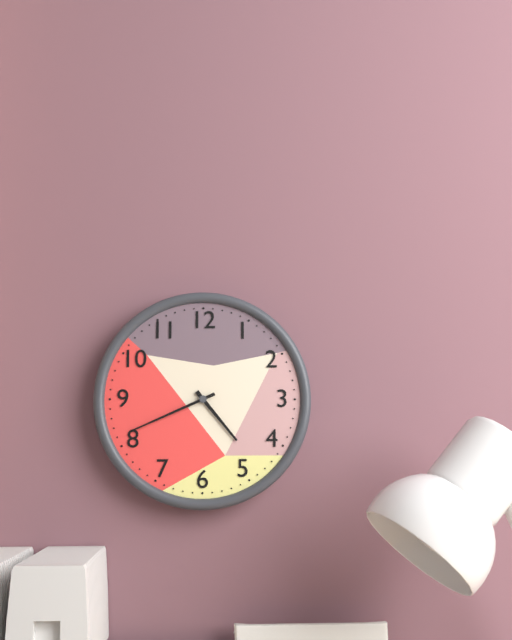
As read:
**4:41**
